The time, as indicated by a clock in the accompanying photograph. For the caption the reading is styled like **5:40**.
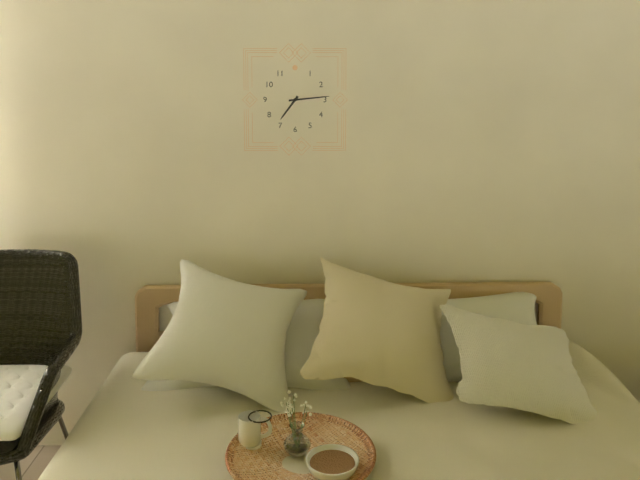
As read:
**7:14**
